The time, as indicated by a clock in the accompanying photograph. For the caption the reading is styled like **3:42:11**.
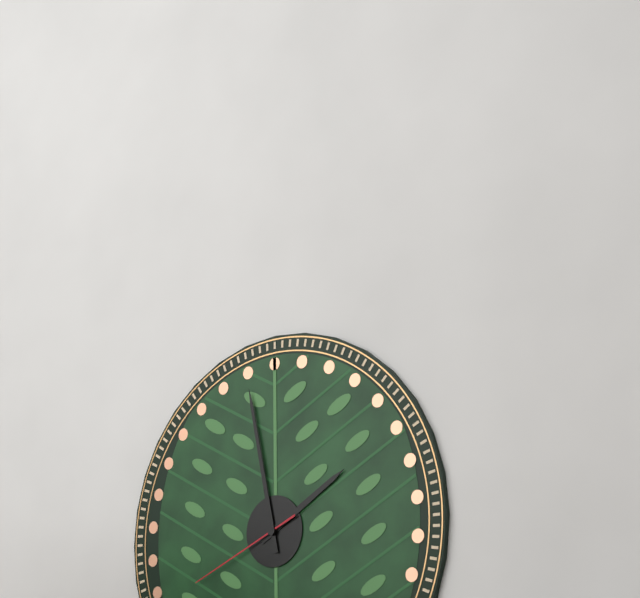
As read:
**1:58:41**
